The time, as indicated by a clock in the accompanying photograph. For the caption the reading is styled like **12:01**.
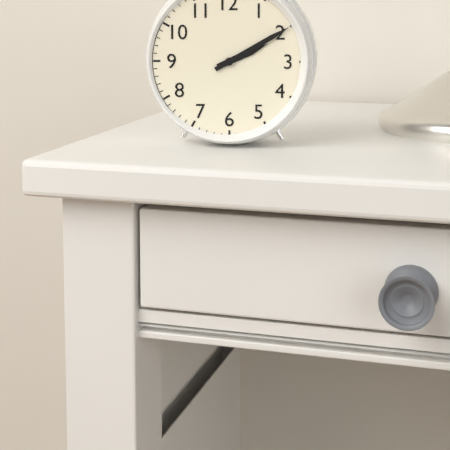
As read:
**2:10**
